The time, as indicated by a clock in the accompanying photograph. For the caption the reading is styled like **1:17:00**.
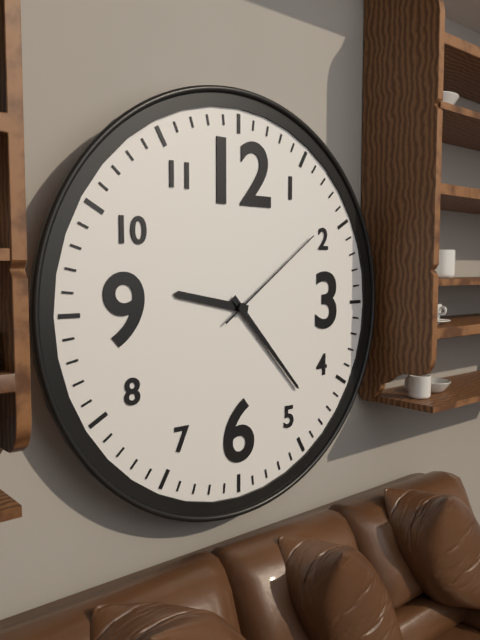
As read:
**9:23:09**
